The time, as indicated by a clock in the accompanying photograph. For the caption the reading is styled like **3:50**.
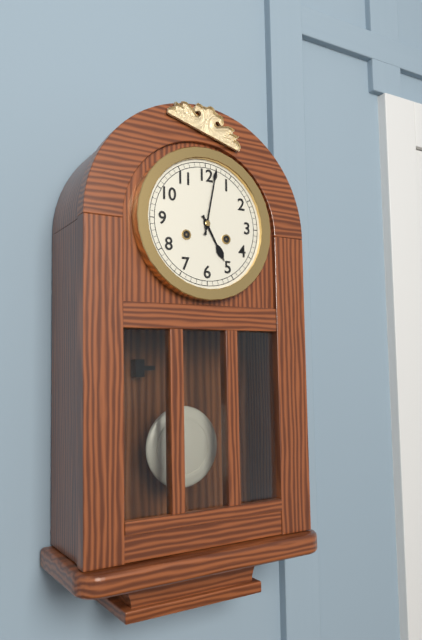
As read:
**5:02**
